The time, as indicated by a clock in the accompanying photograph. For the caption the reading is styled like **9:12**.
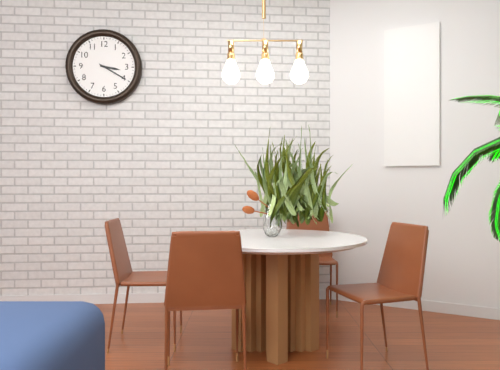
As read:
**3:20**
